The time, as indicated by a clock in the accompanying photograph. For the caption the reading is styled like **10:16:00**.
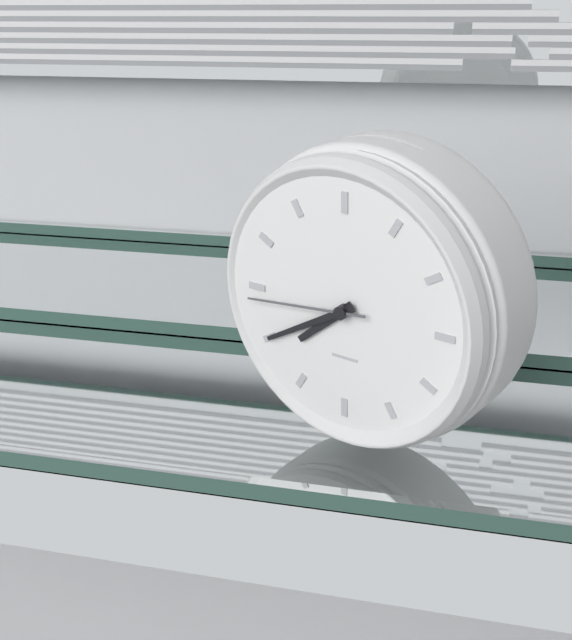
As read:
**7:40:44**
